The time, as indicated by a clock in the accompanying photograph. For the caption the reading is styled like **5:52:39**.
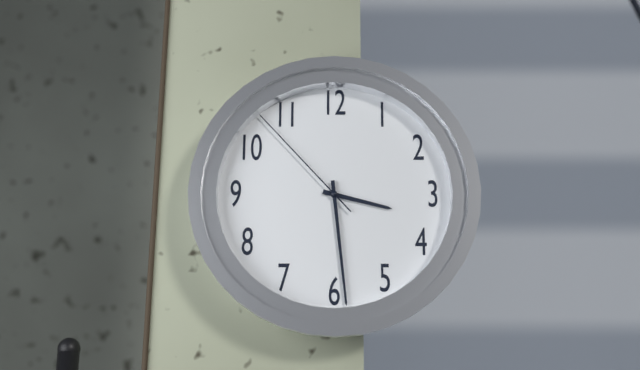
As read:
**3:29:53**
